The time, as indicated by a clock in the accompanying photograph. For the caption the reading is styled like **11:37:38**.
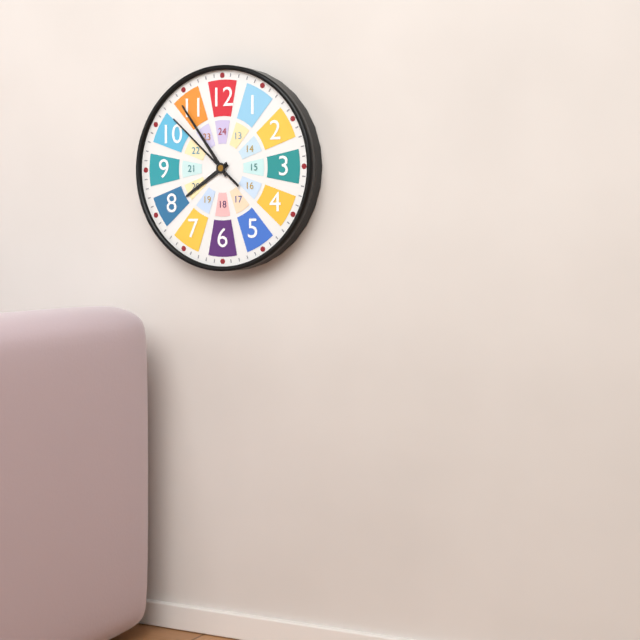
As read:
**7:54:52**
